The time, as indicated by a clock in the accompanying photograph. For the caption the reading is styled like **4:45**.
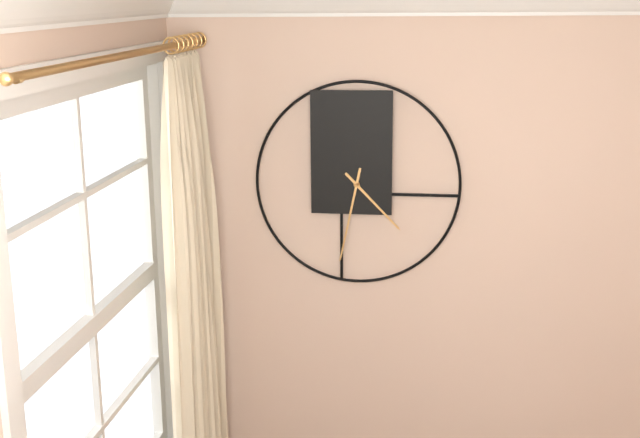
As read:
**4:32**
